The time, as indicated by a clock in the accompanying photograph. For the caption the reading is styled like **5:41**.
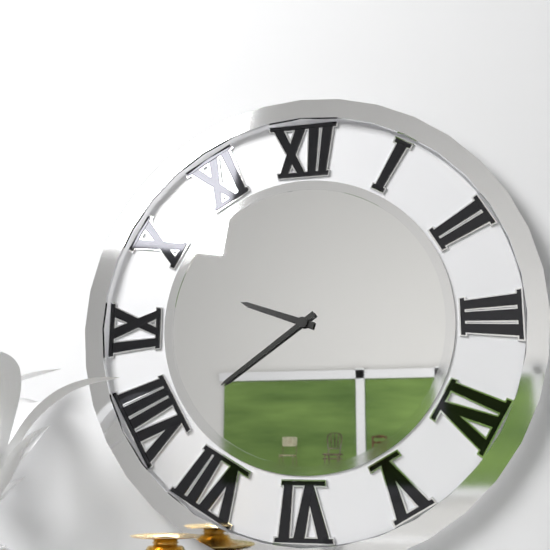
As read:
**9:39**
